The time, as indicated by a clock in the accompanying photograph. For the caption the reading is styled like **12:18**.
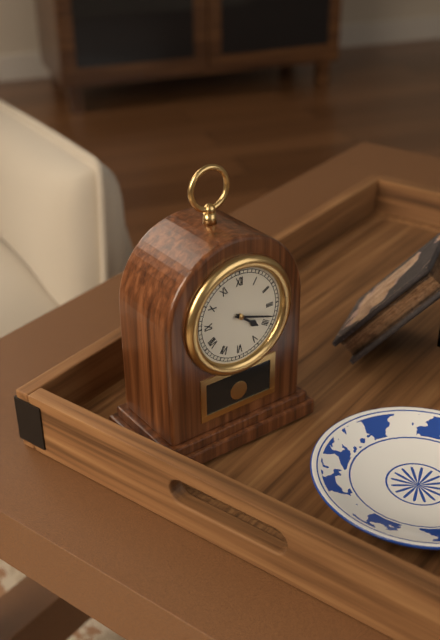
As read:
**4:18**
